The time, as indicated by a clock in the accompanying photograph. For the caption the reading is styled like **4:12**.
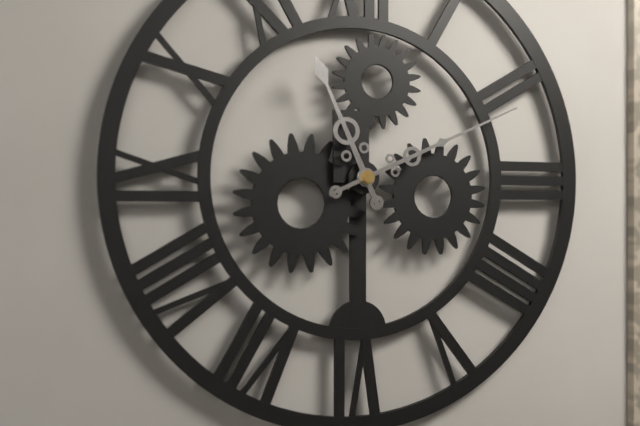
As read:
**11:11**
